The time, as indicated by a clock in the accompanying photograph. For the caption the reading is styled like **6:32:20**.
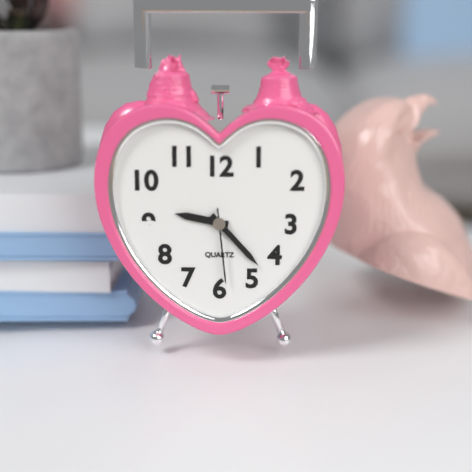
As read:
**9:23:29**
